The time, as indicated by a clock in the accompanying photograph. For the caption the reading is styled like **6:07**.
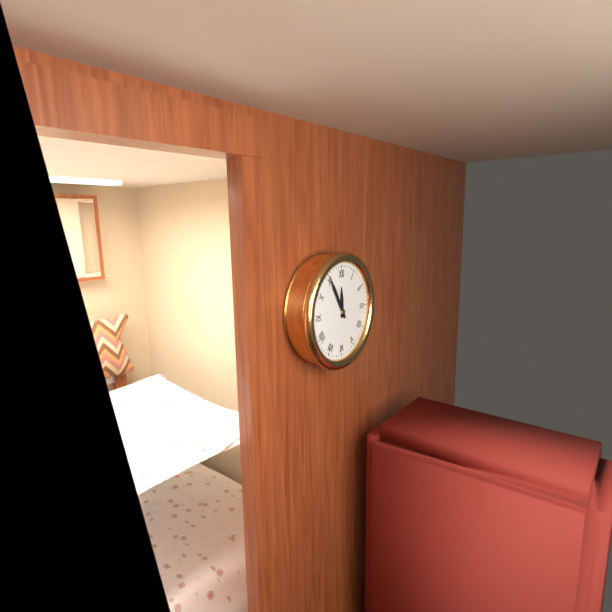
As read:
**11:55**
